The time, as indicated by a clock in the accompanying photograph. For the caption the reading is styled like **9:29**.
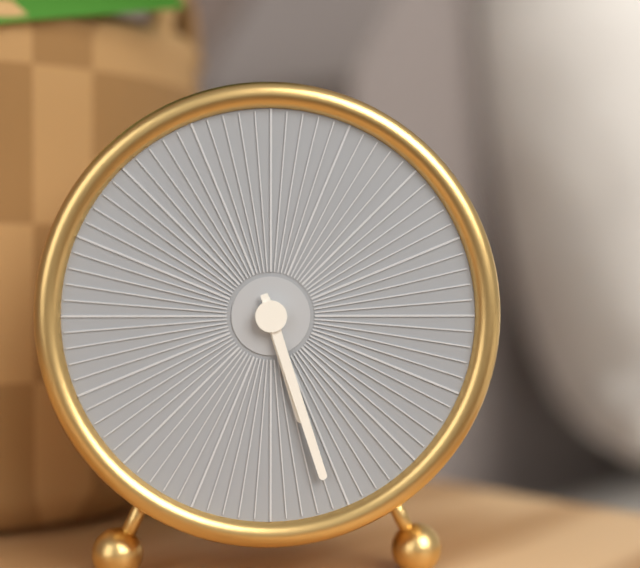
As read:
**5:27**
